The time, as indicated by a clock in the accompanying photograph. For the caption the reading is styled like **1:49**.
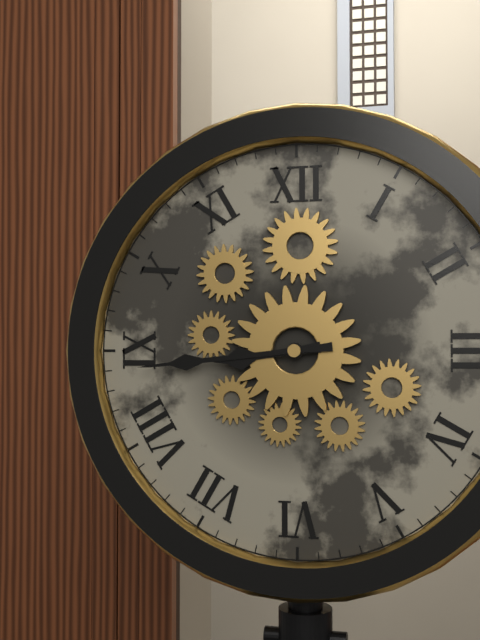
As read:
**8:44**
